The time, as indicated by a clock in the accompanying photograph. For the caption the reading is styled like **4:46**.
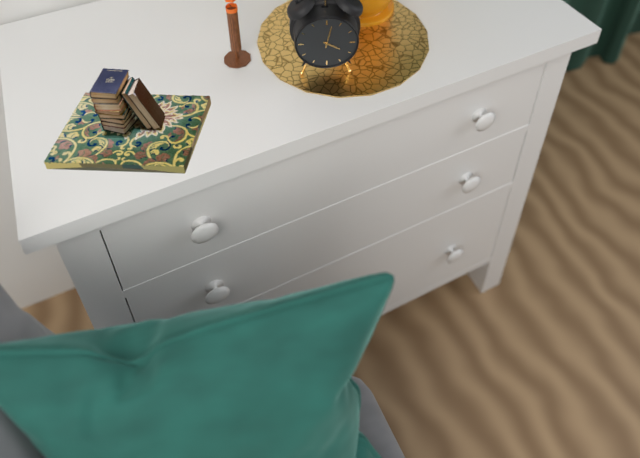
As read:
**4:02**
